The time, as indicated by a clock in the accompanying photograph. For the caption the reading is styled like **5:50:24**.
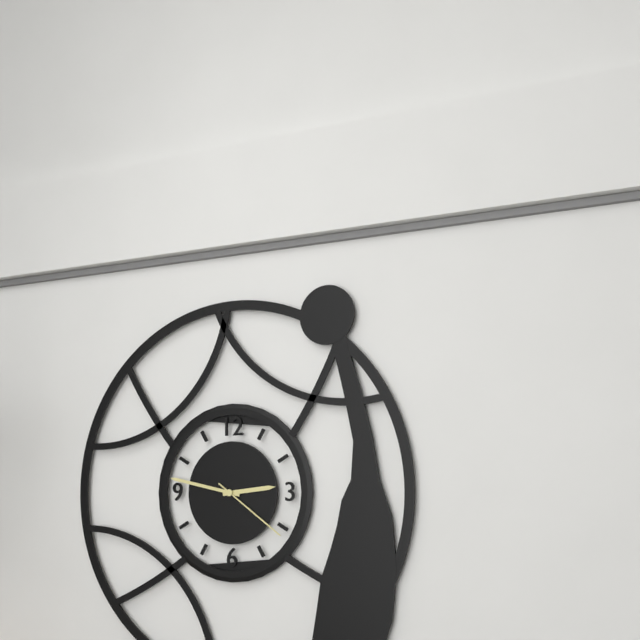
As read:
**2:47:21**
